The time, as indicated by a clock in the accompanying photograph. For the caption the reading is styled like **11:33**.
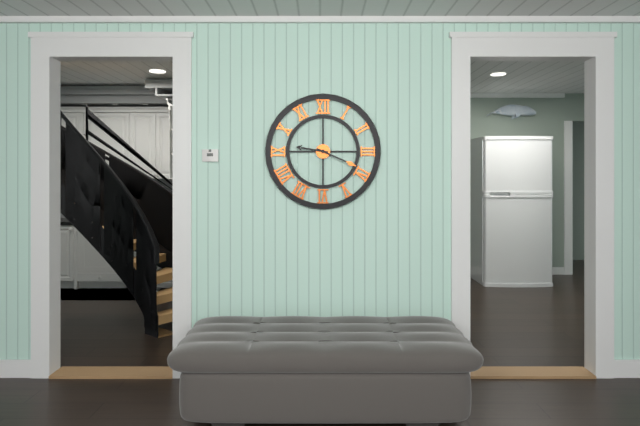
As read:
**9:19**
